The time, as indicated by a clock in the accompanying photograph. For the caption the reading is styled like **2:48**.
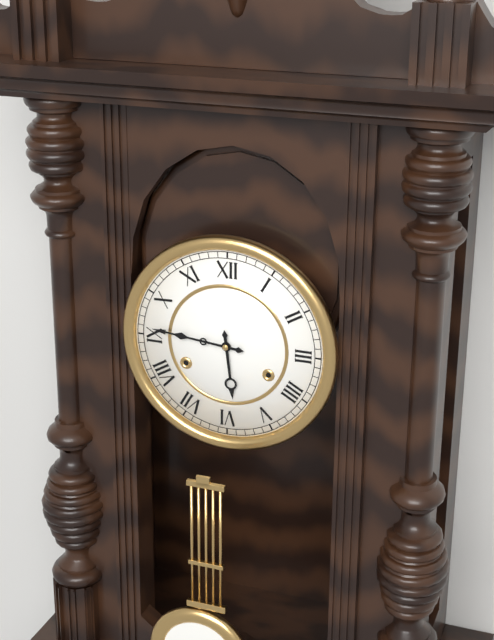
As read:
**5:46**
